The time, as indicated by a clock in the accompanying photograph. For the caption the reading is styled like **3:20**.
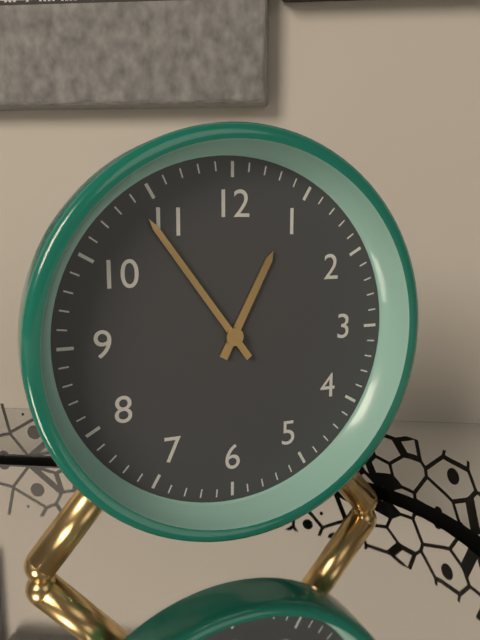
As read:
**12:54**
